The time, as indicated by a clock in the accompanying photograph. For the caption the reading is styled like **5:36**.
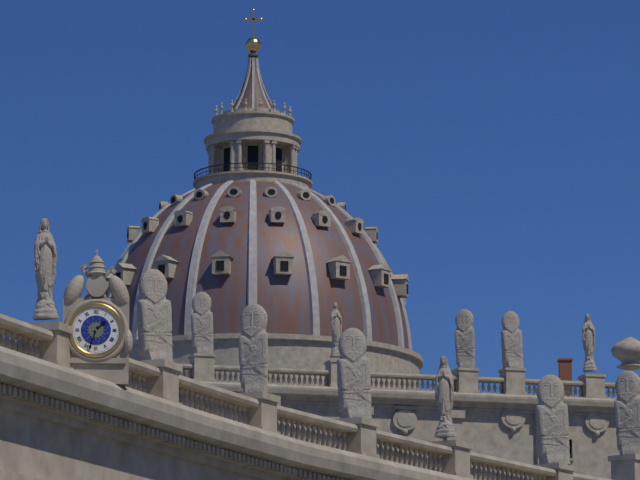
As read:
**1:33**
